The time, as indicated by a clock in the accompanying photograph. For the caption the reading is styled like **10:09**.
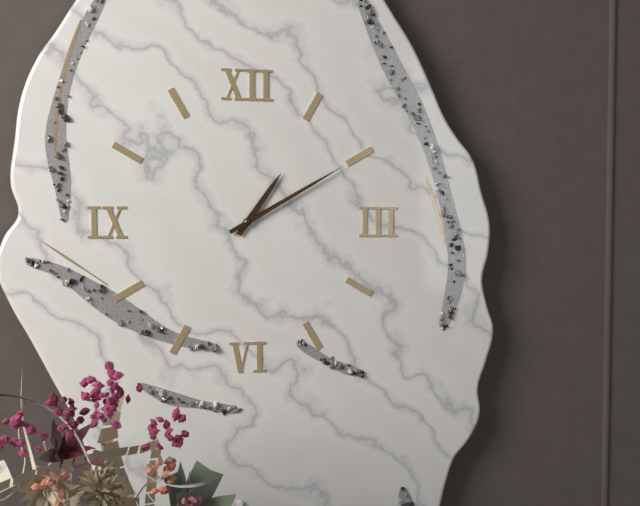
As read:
**1:10**
